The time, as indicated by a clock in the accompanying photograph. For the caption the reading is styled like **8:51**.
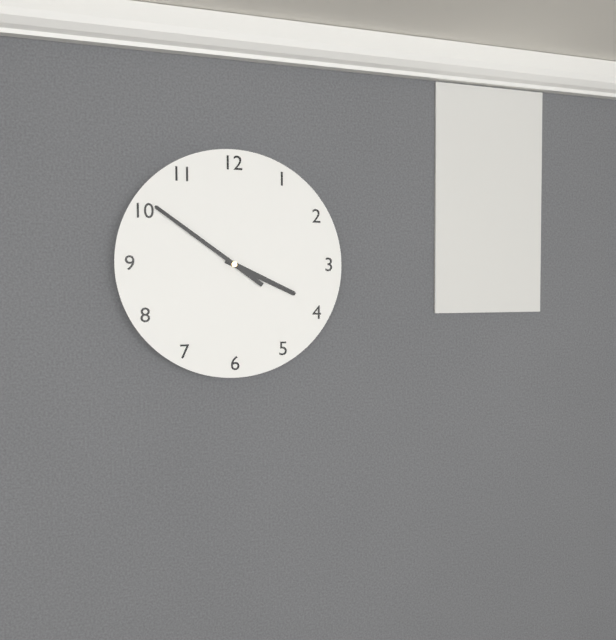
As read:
**3:51**
